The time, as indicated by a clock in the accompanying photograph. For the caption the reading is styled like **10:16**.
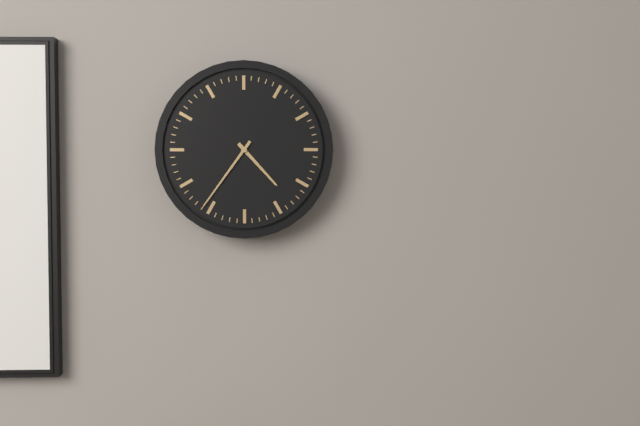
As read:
**4:36**
